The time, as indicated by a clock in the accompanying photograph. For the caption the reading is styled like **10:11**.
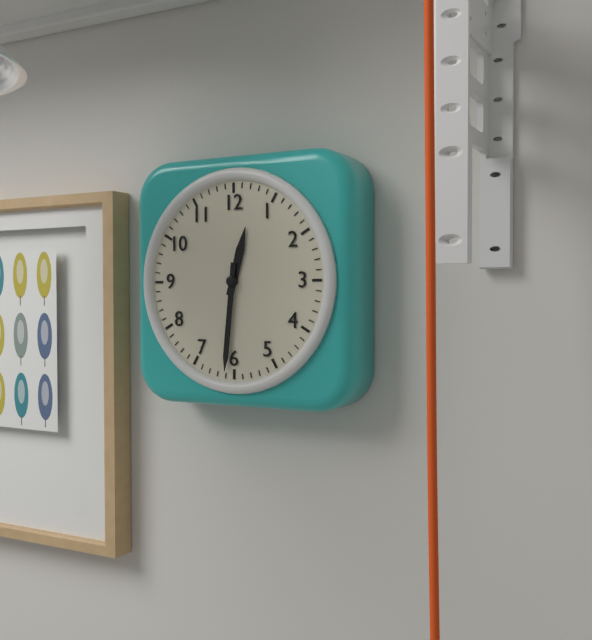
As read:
**12:31**
